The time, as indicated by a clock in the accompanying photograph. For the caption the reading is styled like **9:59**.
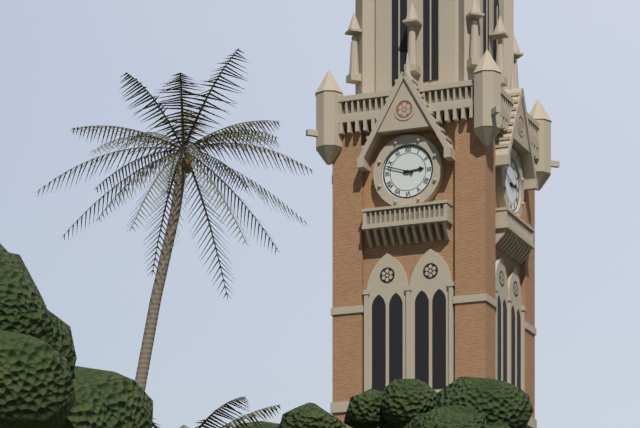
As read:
**2:48**
